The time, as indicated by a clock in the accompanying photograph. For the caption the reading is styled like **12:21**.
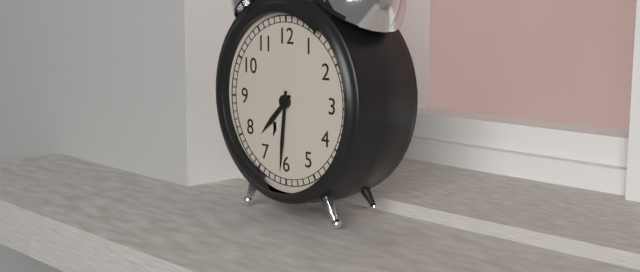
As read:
**7:31**
